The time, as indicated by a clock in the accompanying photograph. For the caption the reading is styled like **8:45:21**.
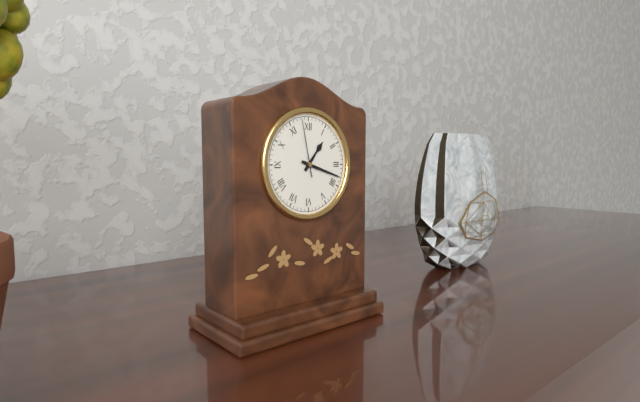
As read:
**1:18:58**
